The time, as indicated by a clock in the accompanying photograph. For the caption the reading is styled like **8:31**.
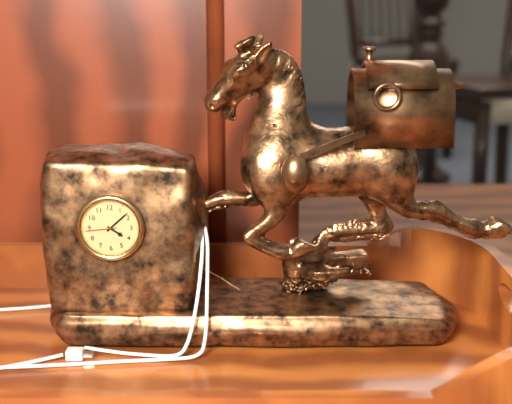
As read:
**4:08**
